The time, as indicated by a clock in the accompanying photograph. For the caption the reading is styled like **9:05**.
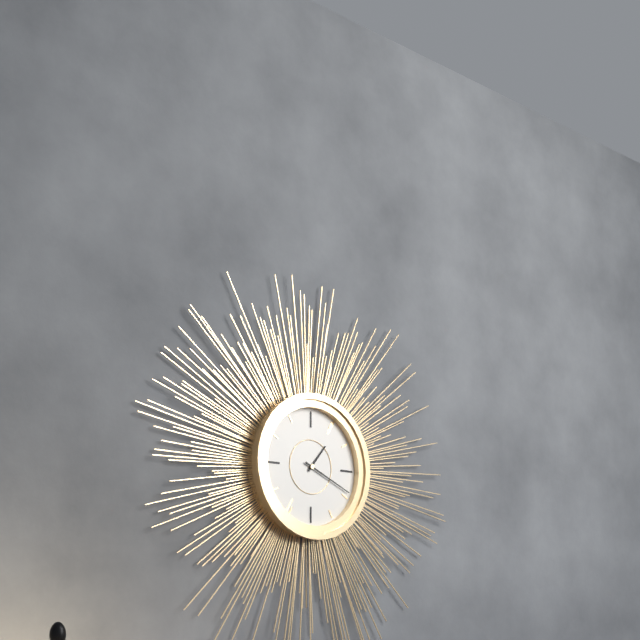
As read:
**1:19**
